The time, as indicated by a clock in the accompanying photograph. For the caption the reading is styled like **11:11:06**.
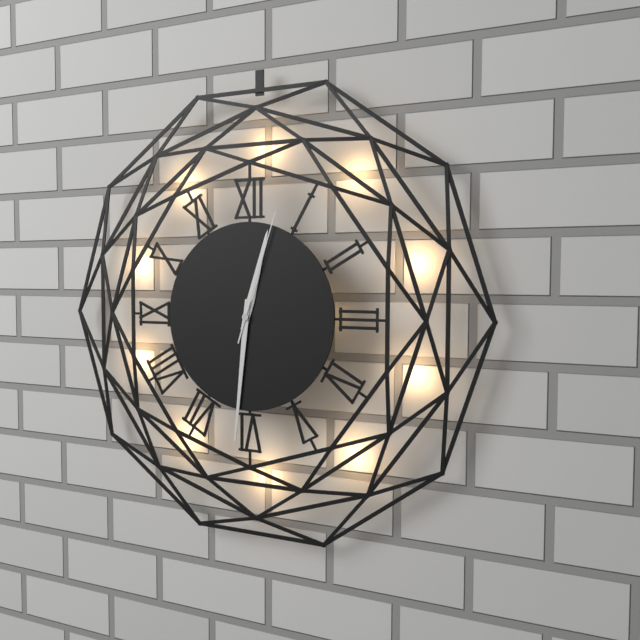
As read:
**12:31:03**
